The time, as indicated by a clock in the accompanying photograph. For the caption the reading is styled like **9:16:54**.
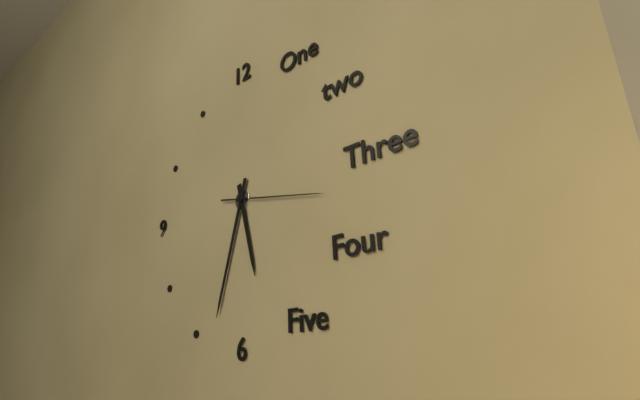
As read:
**5:33:17**
